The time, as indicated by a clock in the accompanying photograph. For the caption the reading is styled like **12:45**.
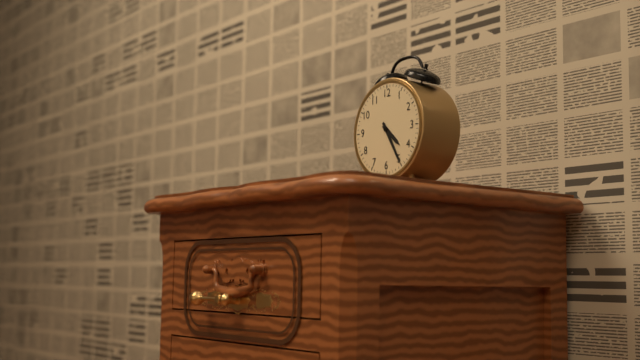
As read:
**4:25**
